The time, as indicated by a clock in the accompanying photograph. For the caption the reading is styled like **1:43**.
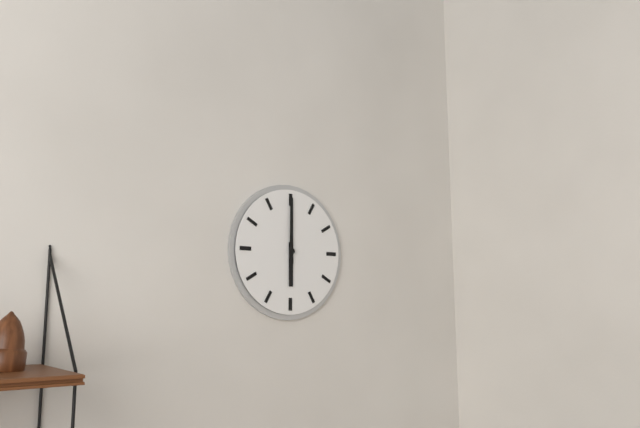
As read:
**6:00**
